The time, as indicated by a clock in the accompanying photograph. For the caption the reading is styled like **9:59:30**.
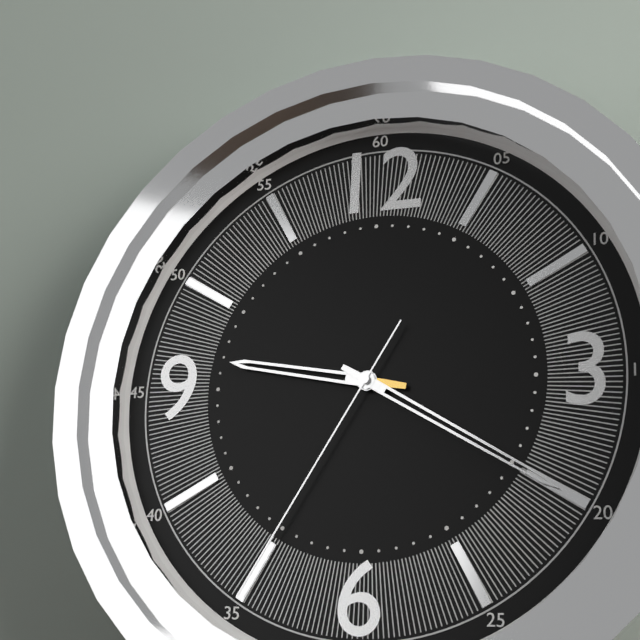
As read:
**9:20:35**
